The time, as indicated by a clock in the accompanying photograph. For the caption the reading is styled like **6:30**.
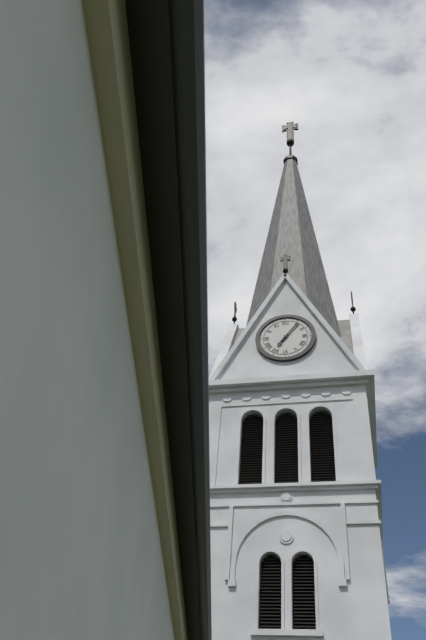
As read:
**7:06**
